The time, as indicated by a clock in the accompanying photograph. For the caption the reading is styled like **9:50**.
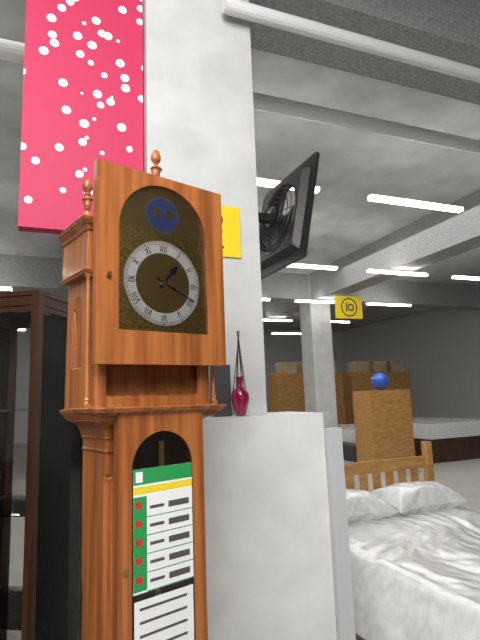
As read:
**1:19**
